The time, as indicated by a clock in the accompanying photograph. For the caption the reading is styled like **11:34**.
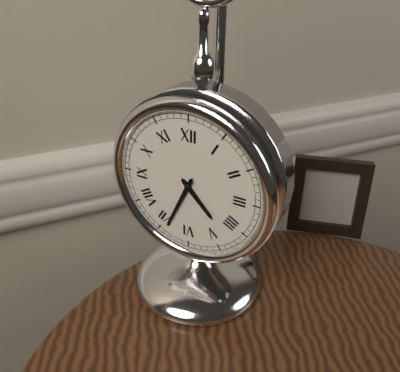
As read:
**4:34**
